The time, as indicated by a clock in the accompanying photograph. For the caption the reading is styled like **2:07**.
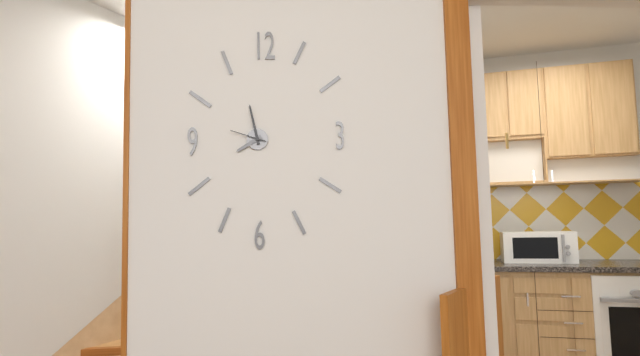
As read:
**7:58**
